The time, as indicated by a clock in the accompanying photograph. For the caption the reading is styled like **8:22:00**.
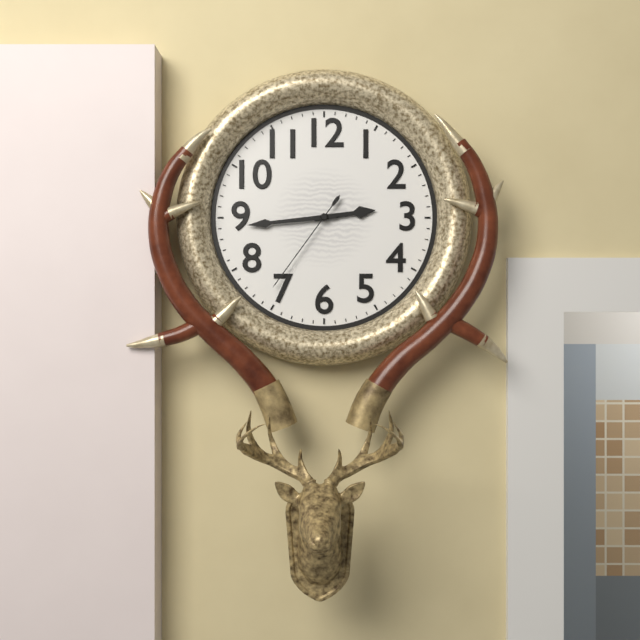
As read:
**2:44:36**
